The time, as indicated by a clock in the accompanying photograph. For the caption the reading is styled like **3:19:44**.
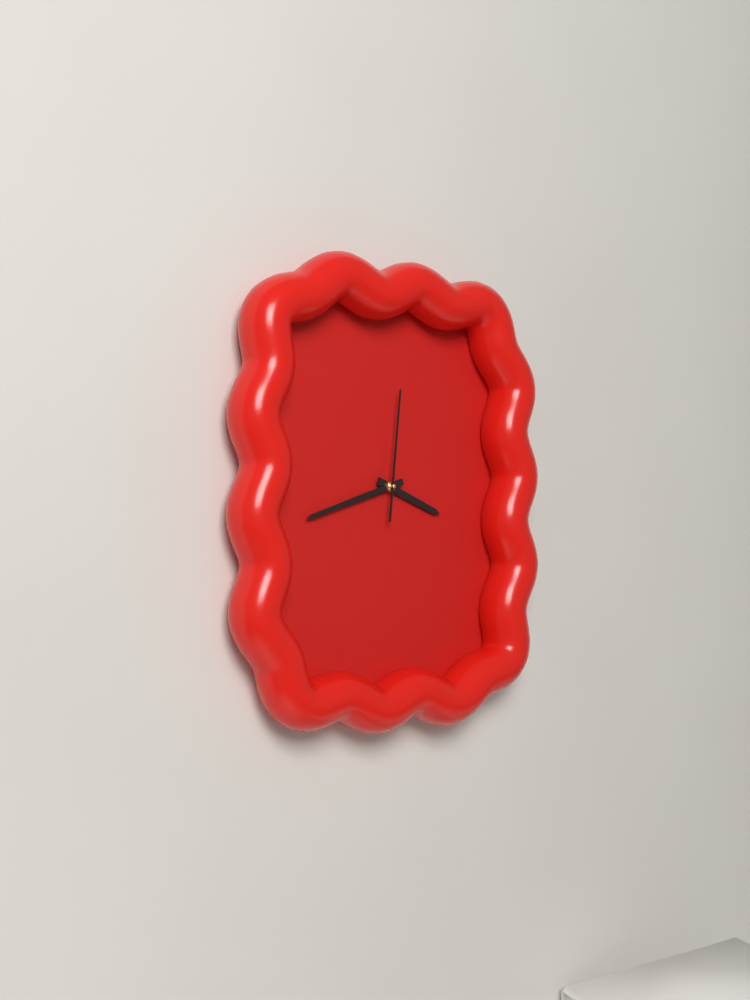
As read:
**3:42:01**
